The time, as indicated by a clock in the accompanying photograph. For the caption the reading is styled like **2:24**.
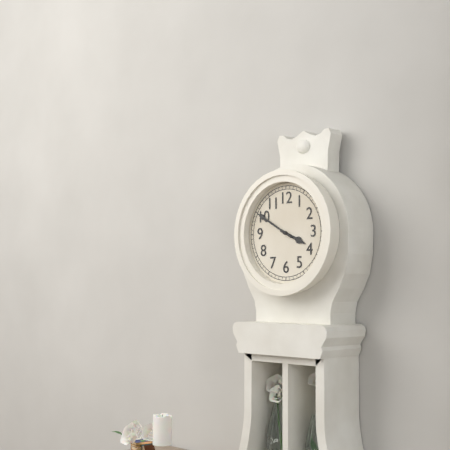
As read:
**3:50**
